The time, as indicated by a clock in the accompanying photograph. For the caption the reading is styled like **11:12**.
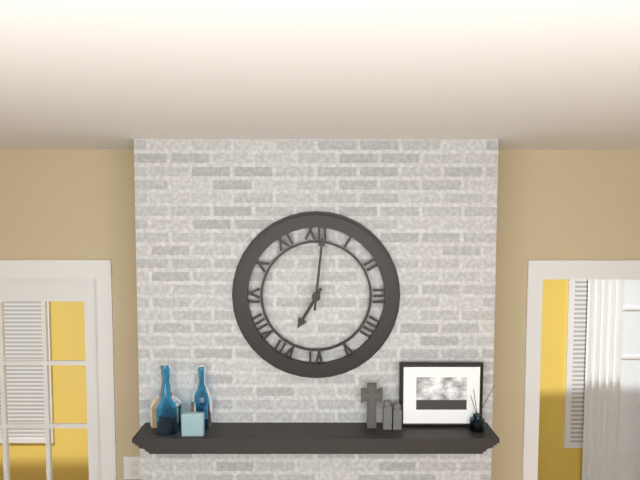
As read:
**7:01**
